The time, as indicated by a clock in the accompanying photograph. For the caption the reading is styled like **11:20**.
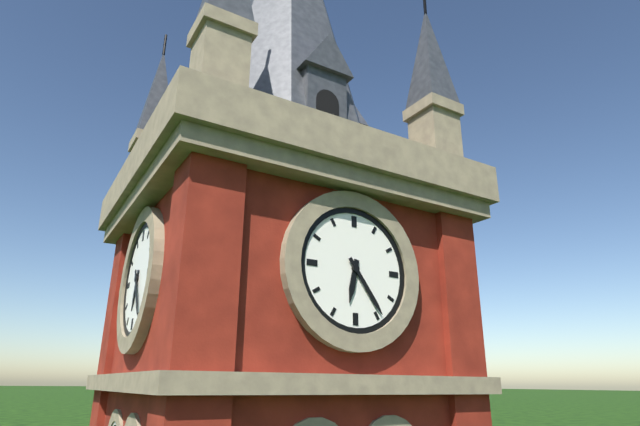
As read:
**6:24**
